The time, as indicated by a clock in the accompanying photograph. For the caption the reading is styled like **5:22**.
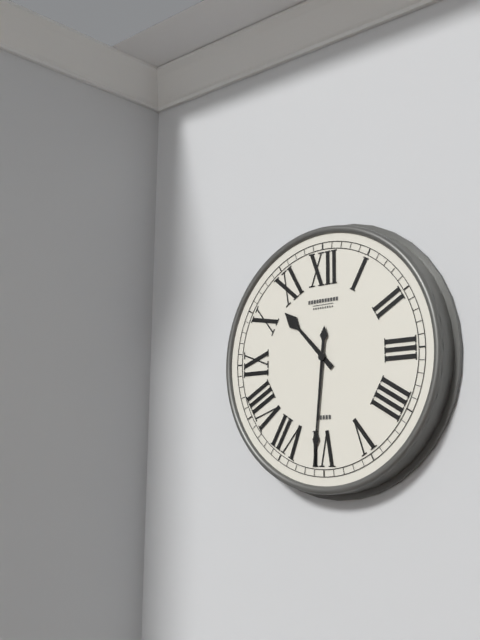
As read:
**10:31**
